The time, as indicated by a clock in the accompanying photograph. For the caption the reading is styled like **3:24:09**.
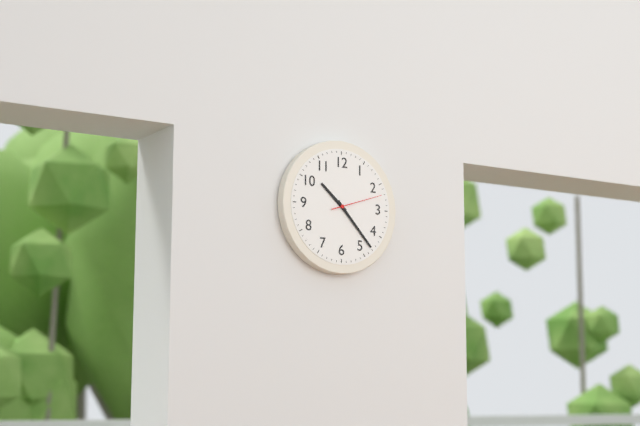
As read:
**10:23:12**
